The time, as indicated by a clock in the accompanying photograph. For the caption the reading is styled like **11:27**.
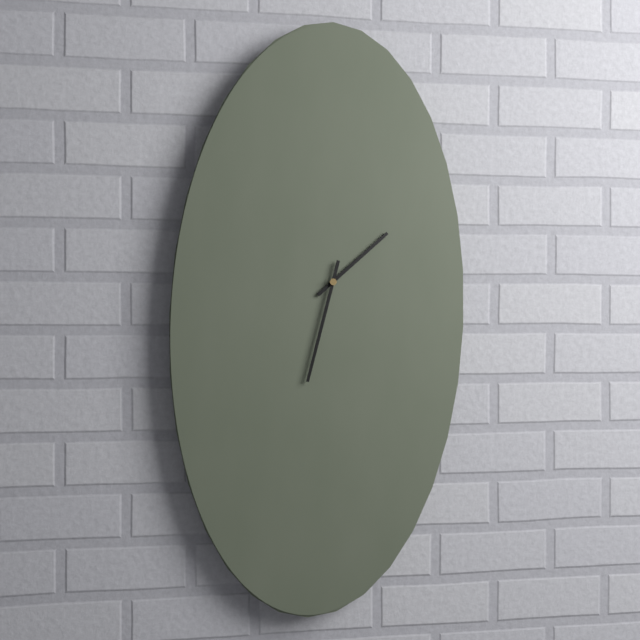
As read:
**1:32**
